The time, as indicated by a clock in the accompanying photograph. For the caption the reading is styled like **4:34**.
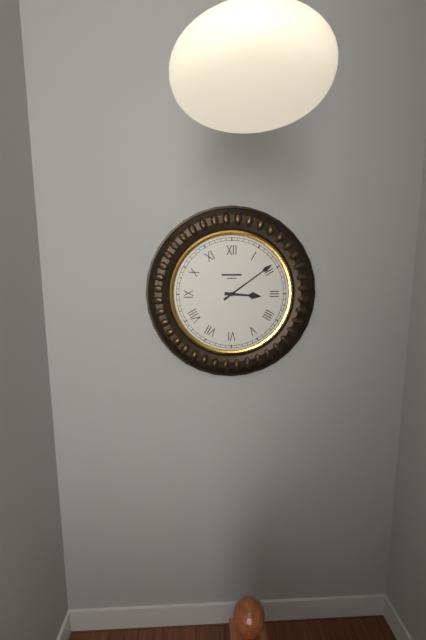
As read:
**3:09**
